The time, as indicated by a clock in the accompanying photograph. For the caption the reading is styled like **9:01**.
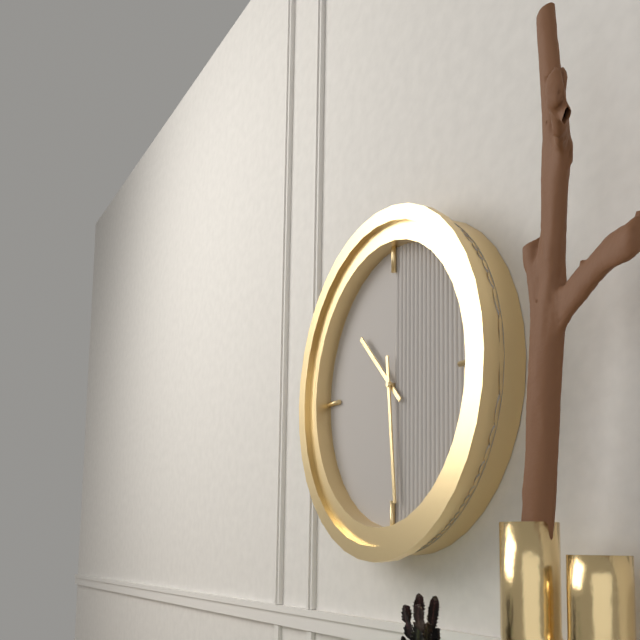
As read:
**10:29**
